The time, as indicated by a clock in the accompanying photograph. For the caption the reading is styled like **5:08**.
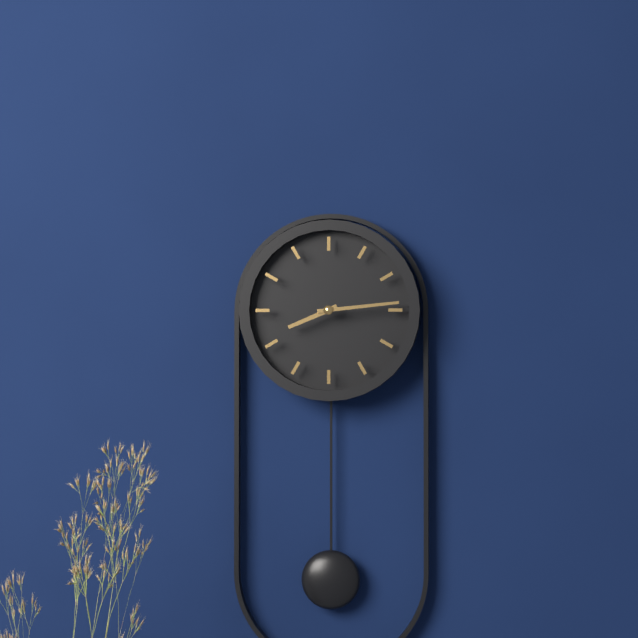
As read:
**8:14**
